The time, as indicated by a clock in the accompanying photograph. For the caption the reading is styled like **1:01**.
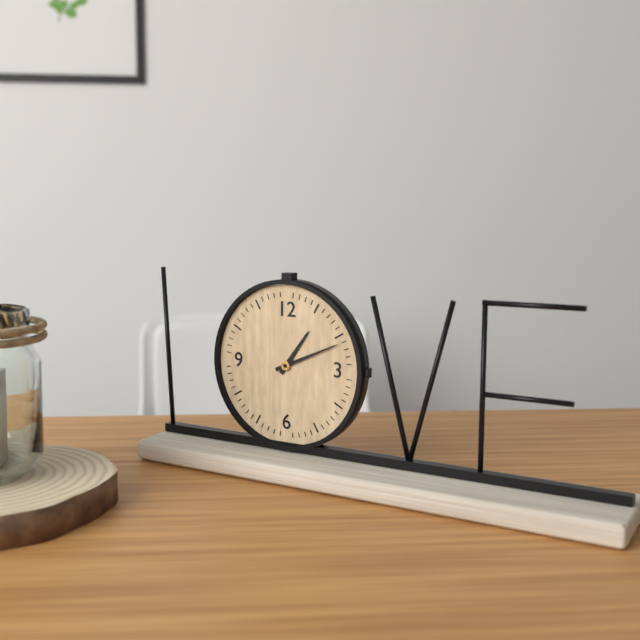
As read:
**1:11**
